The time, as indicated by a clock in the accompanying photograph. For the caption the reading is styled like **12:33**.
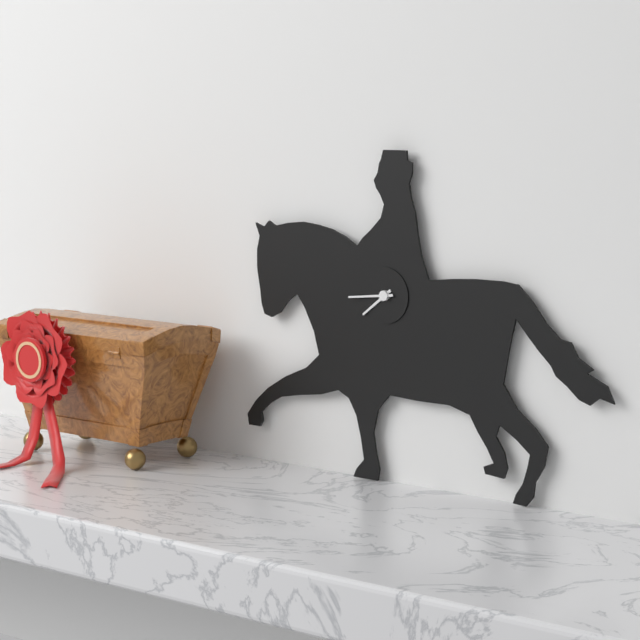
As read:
**7:44**
